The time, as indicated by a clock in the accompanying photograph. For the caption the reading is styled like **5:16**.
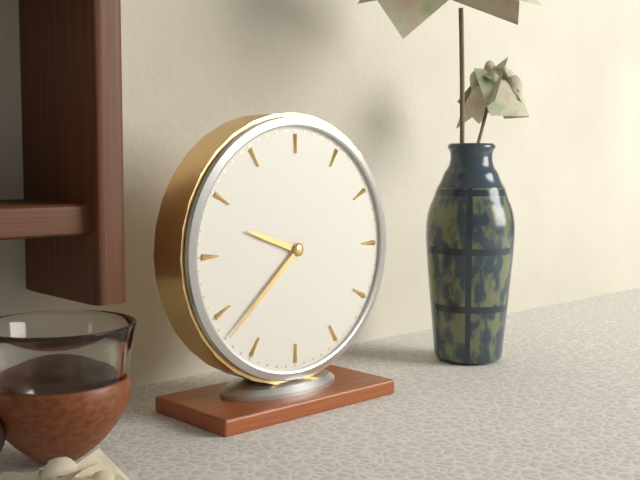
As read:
**9:38**
